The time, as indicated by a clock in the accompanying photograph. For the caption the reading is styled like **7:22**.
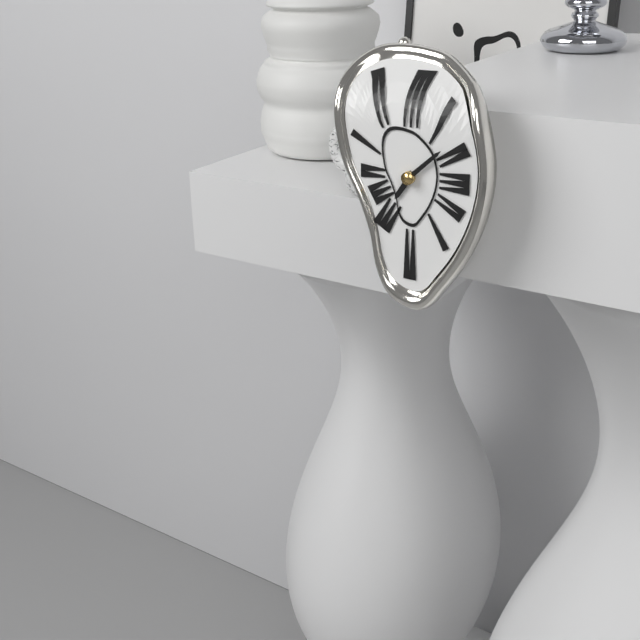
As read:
**7:08**
